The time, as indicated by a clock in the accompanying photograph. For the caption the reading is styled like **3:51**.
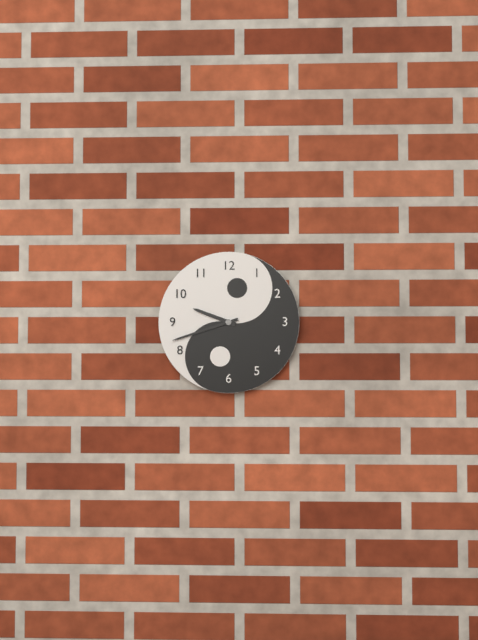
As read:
**9:42**
